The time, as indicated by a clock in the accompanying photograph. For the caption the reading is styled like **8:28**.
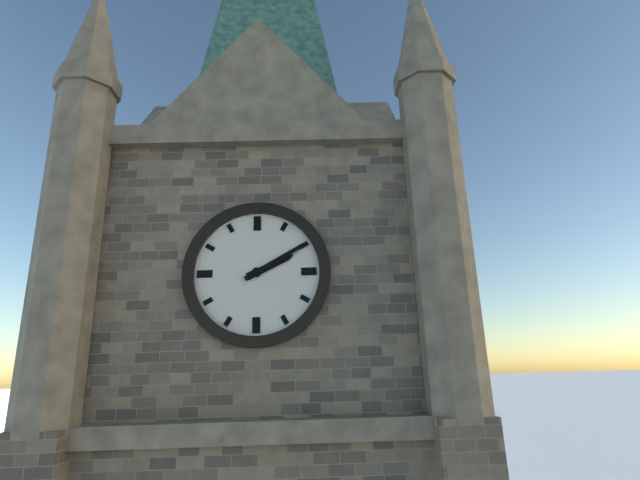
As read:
**2:10**
